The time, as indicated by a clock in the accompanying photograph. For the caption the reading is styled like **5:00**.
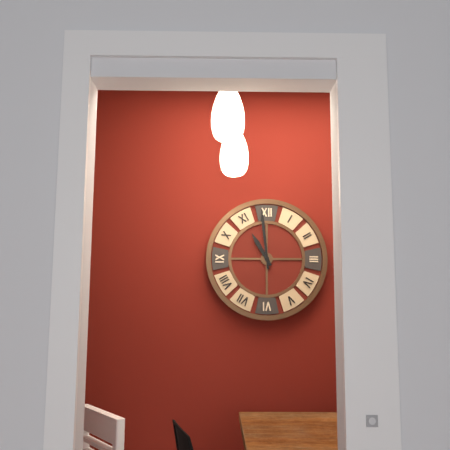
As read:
**10:59**
